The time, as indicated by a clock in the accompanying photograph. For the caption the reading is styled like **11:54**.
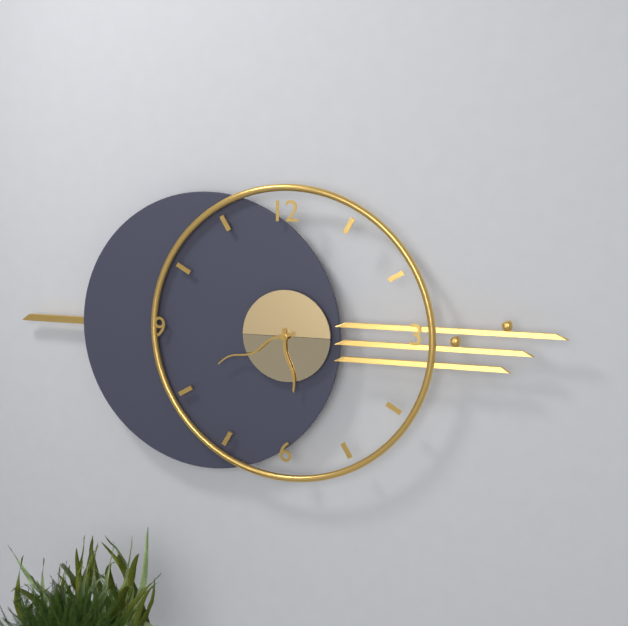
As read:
**5:41**
